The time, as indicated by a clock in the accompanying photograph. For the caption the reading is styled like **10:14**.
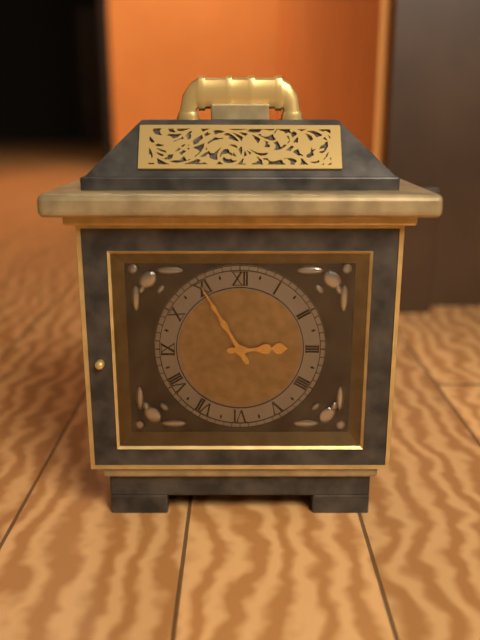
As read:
**2:55**
